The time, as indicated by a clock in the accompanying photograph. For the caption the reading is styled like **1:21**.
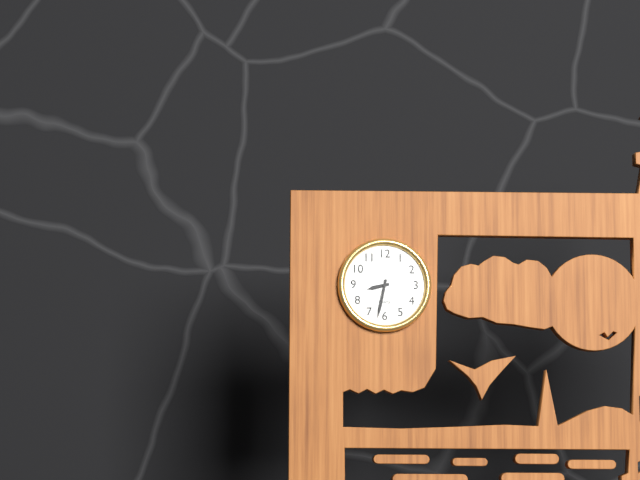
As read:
**8:32**
